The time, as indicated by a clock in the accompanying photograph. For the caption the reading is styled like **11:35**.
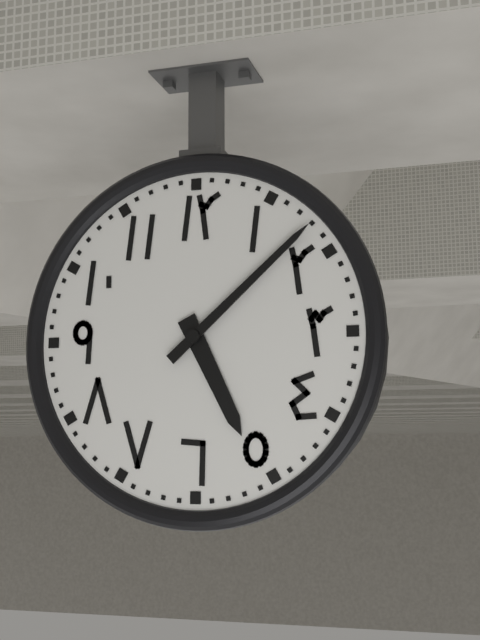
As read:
**5:08**
